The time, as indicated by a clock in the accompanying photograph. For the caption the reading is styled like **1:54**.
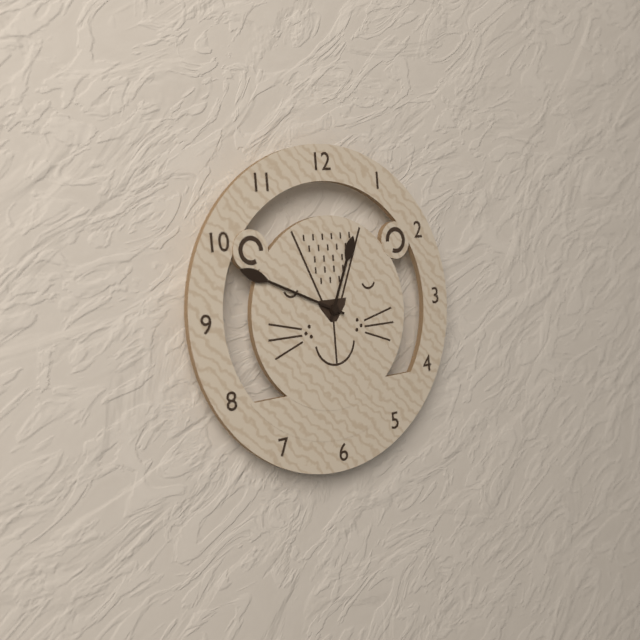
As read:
**12:49**
